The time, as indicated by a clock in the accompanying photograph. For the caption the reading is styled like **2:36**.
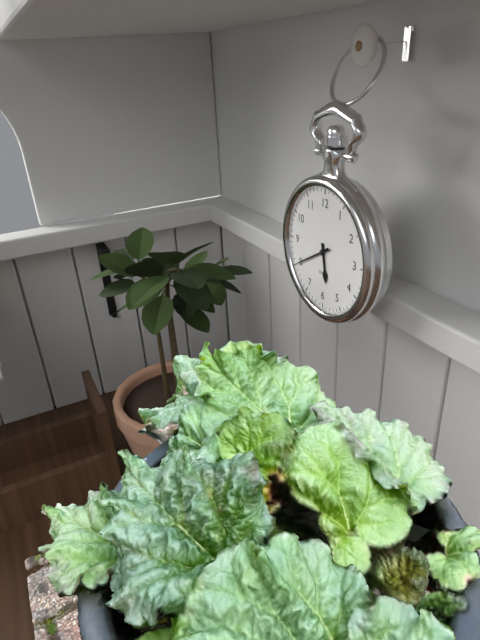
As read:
**5:40**
